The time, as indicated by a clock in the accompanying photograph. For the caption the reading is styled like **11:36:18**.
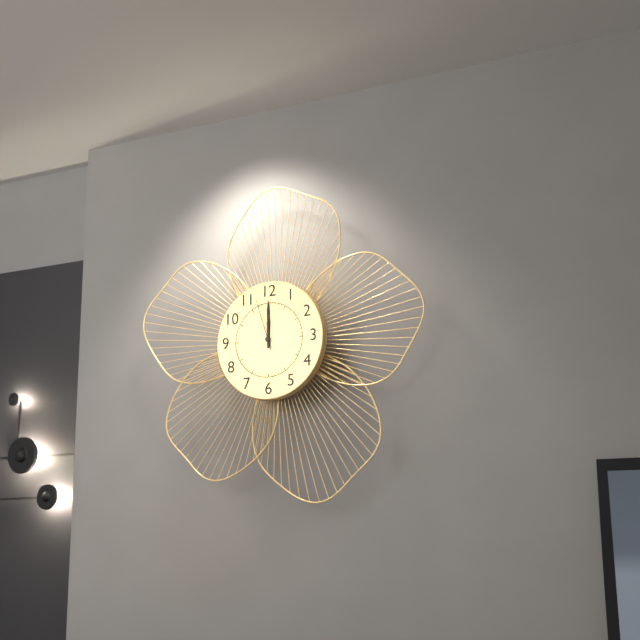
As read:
**12:00:57**
